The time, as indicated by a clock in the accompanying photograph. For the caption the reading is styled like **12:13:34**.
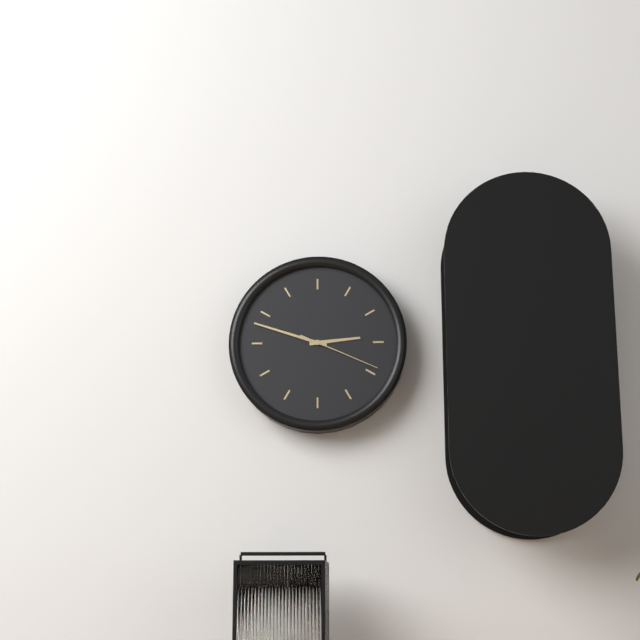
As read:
**2:48:19**
